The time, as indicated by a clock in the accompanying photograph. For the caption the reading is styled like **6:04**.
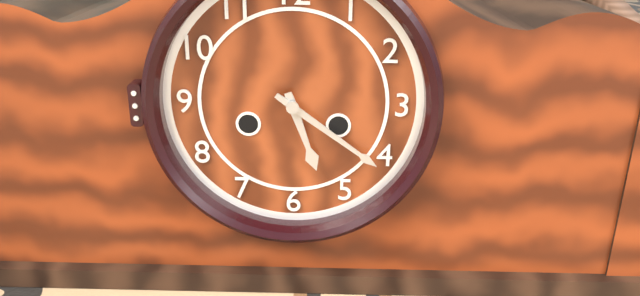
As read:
**5:21**
